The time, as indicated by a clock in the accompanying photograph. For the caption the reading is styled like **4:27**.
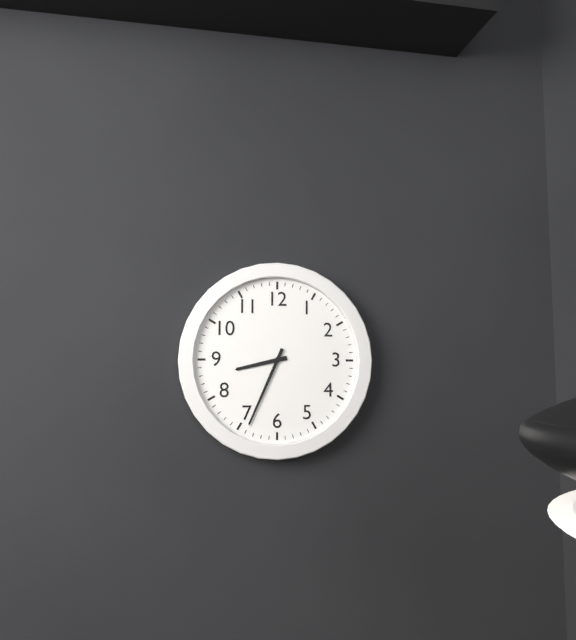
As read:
**8:34**
